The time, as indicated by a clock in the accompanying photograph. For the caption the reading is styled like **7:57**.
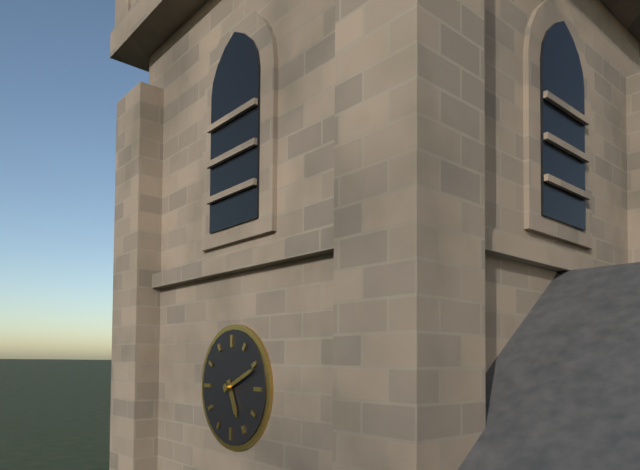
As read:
**5:11**
